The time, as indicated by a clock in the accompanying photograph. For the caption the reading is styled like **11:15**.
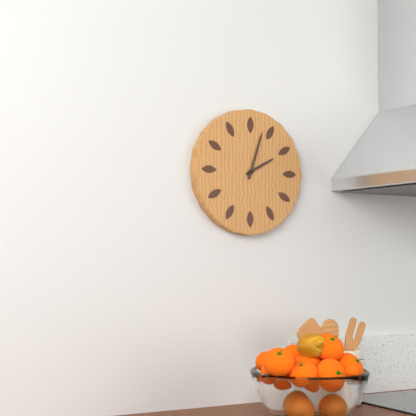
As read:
**2:03**
